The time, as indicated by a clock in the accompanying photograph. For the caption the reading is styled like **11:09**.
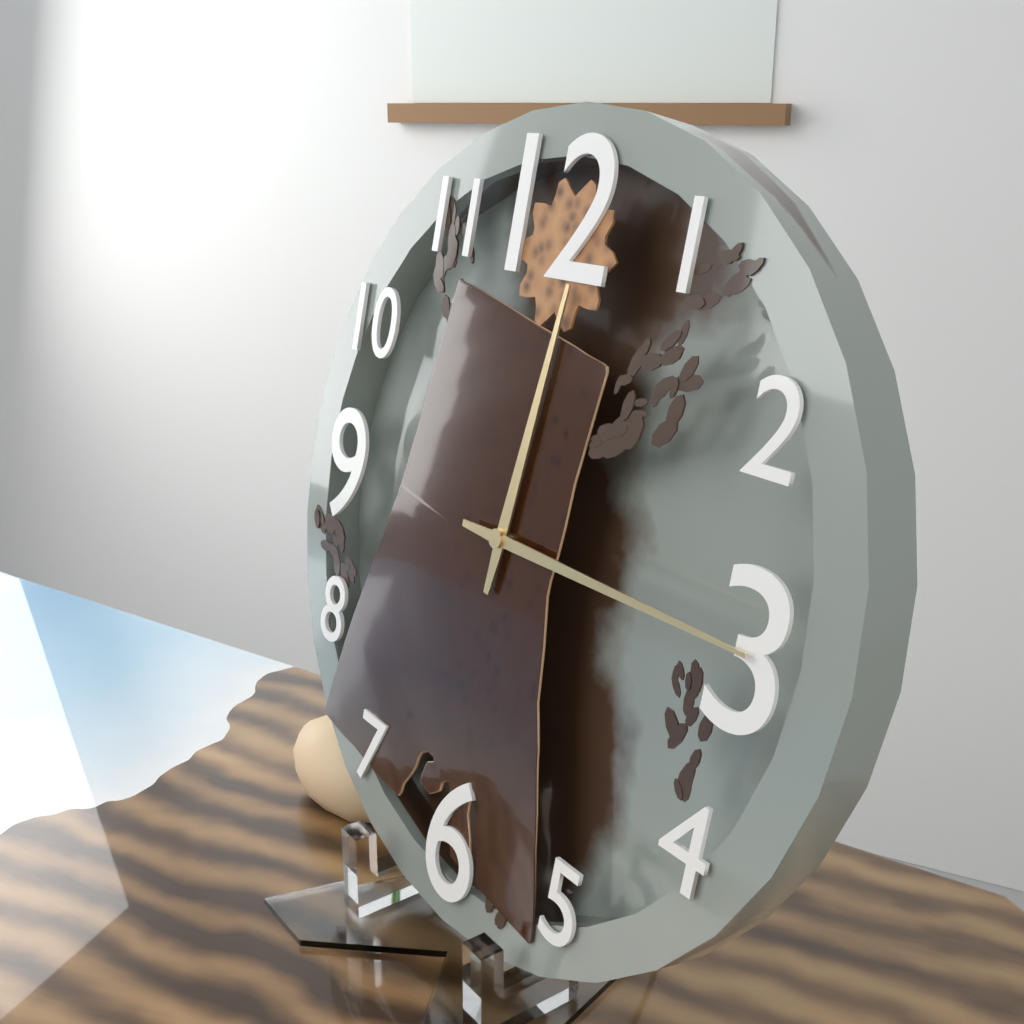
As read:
**12:15**
